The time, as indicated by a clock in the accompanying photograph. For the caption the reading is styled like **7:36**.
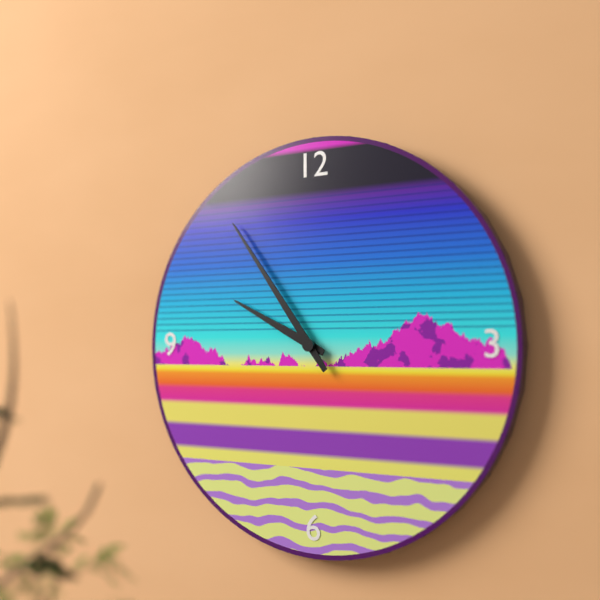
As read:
**9:54**
